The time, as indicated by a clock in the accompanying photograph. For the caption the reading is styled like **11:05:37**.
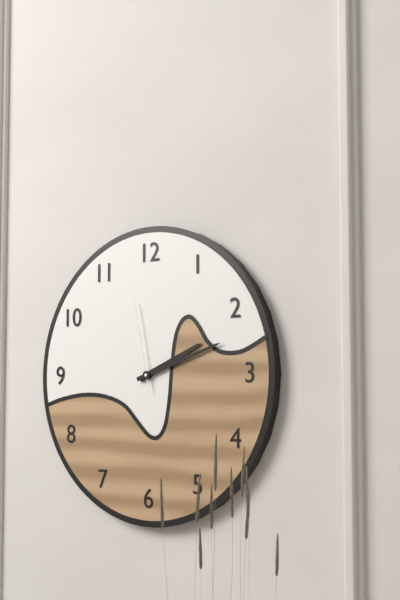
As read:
**2:12:58**
